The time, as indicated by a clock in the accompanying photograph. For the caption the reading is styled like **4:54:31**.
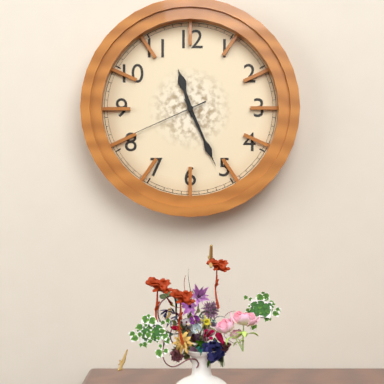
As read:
**11:26:41**
